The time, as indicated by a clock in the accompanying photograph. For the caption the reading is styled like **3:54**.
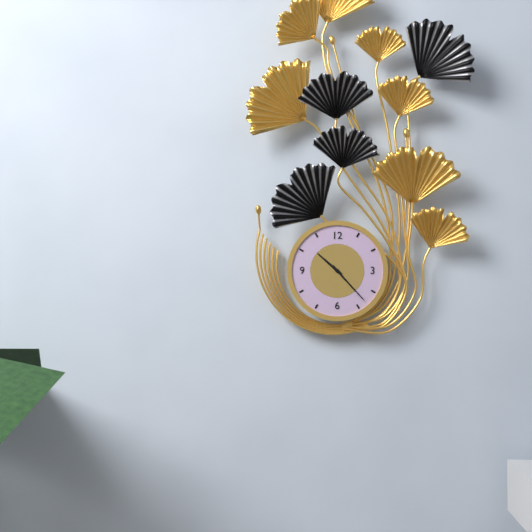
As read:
**10:23**
